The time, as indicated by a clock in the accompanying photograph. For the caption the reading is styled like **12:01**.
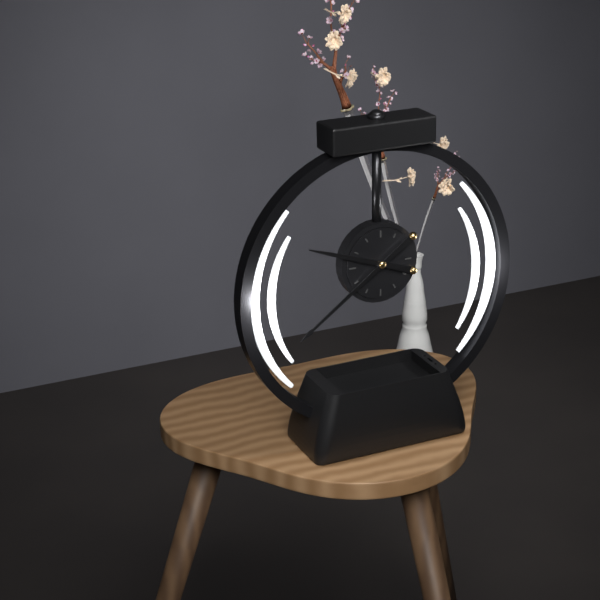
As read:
**9:39**
